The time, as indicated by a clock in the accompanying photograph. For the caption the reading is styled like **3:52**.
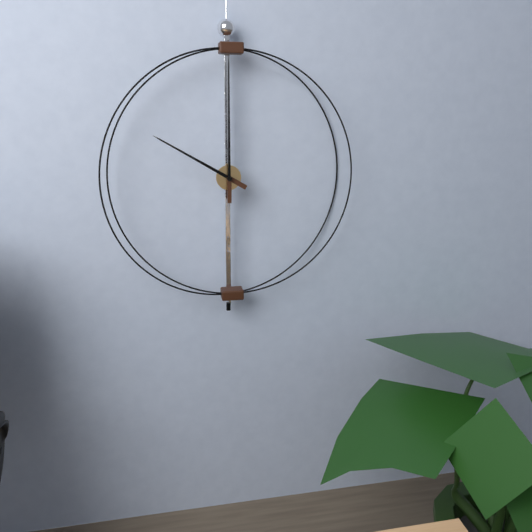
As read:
**10:00**
